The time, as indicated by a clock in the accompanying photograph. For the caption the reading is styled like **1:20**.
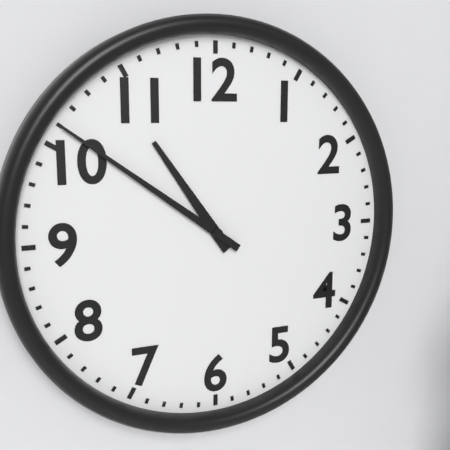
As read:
**10:51**
